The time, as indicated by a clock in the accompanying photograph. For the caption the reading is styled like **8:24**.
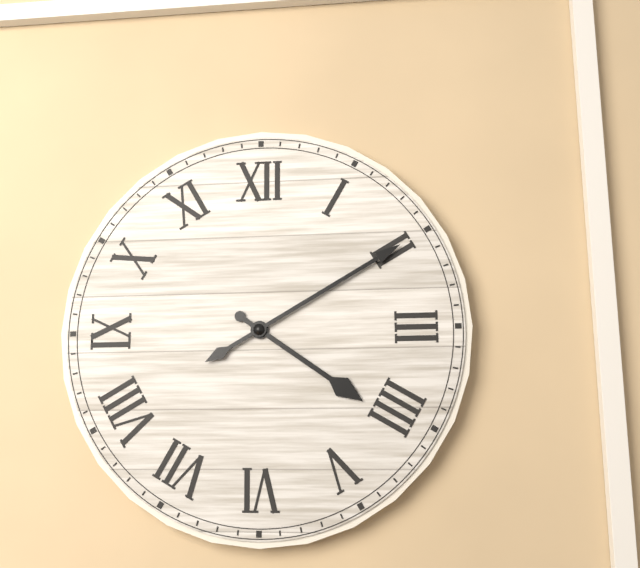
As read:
**4:10**
